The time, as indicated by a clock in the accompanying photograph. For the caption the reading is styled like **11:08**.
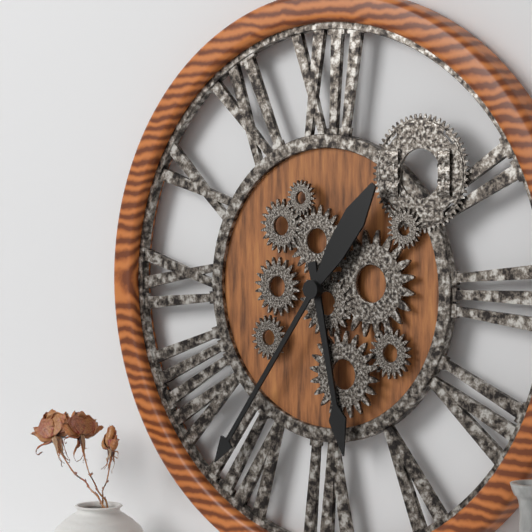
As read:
**5:36**
